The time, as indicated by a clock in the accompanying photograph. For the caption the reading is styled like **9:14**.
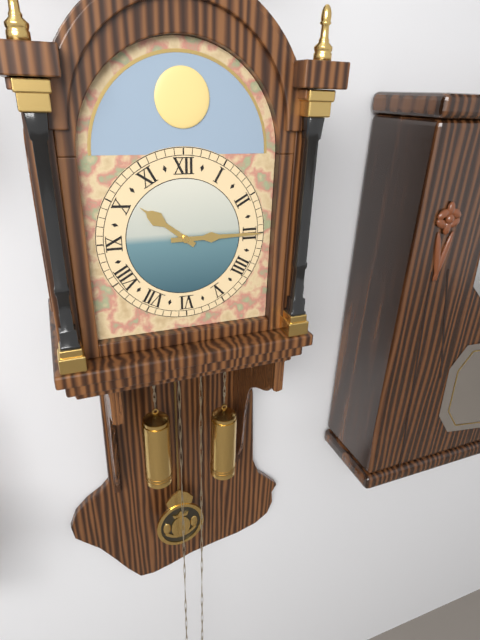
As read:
**10:15**
